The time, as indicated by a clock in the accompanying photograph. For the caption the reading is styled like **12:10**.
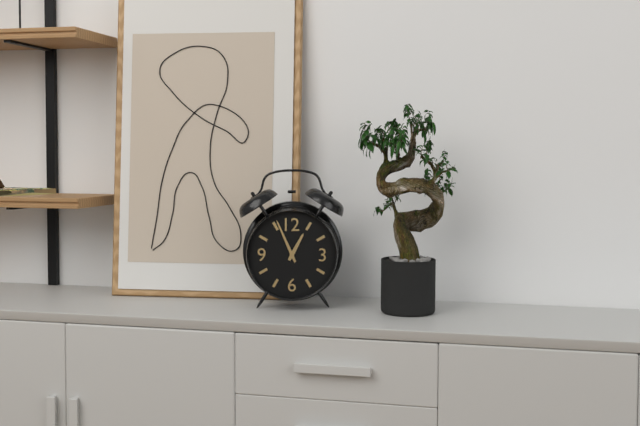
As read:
**12:56**
